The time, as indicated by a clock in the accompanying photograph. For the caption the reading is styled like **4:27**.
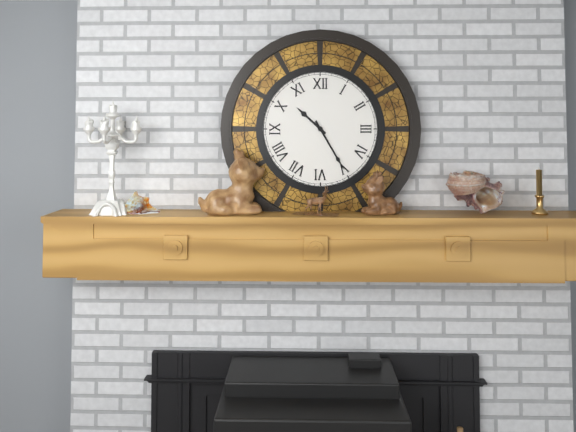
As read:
**10:25**
